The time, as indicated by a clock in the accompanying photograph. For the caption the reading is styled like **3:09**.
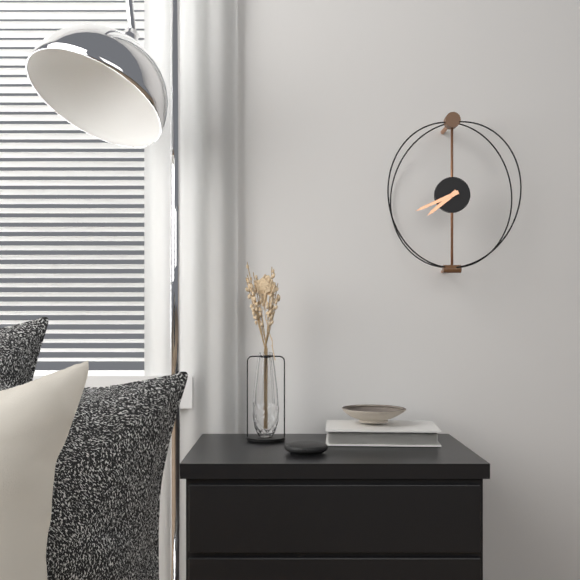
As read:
**7:41**
